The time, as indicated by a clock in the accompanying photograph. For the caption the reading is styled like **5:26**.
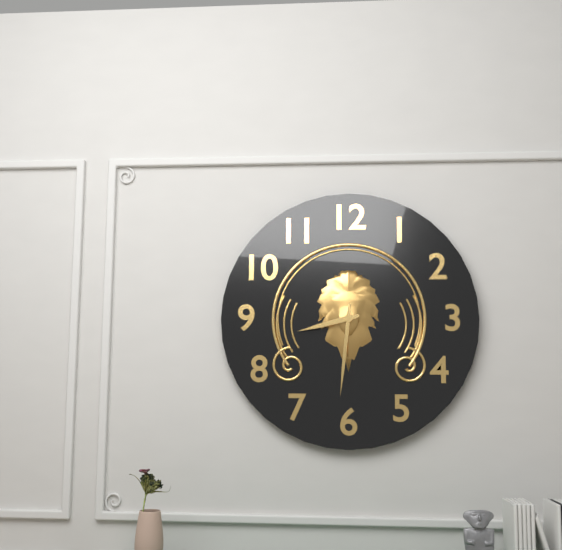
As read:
**8:31**
